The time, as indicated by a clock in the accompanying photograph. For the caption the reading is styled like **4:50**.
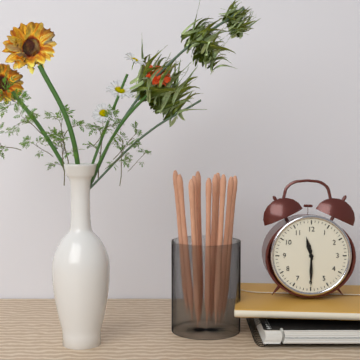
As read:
**11:30**
